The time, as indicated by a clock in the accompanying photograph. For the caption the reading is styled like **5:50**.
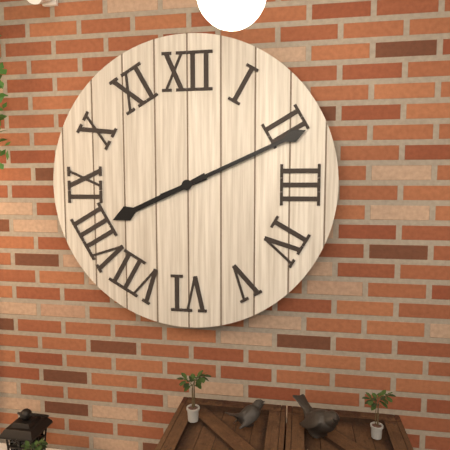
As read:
**8:11**
